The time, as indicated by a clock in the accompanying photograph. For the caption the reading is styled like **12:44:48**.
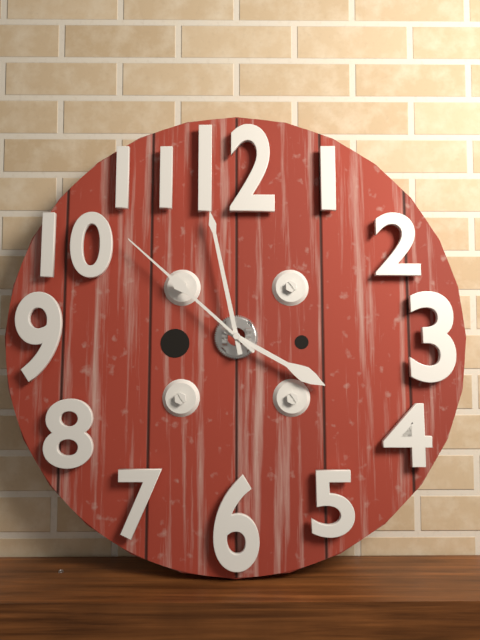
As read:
**3:58:52**
